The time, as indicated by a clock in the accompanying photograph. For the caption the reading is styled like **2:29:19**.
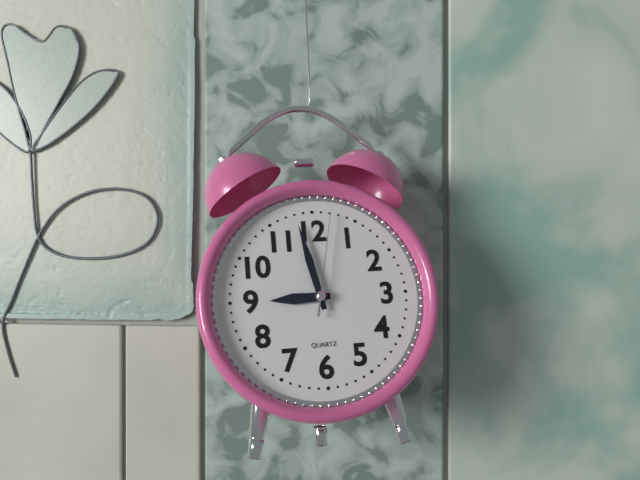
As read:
**8:58:02**
